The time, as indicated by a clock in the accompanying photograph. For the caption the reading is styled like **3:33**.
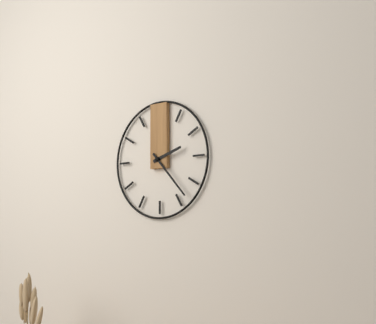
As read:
**2:23**
